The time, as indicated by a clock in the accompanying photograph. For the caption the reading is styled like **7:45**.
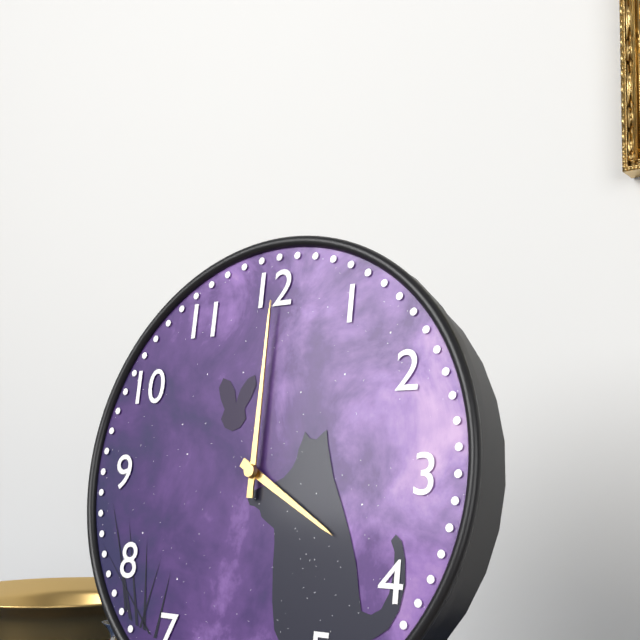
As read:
**4:00**
